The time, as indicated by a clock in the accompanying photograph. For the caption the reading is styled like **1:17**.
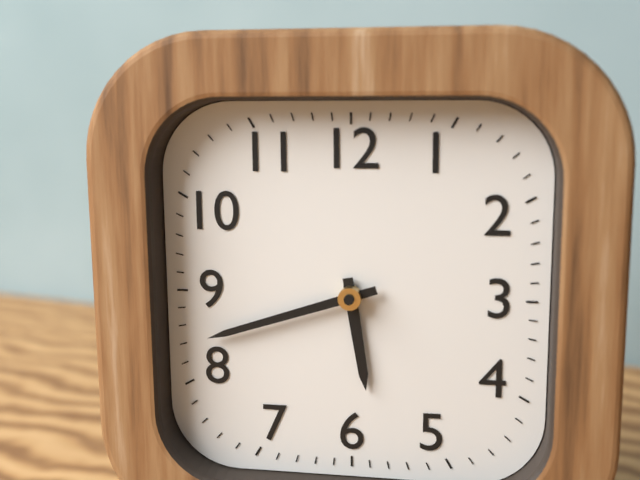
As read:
**5:42**
